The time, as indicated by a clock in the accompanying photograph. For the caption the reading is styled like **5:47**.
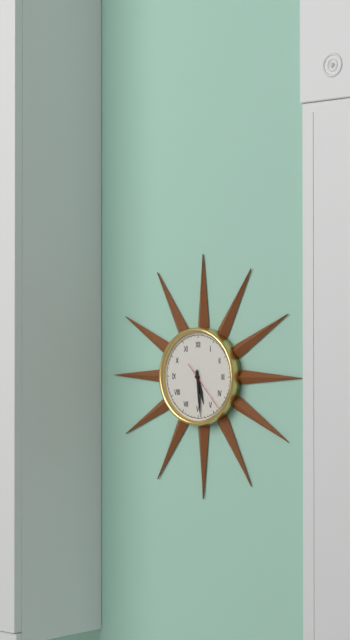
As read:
**5:29**
